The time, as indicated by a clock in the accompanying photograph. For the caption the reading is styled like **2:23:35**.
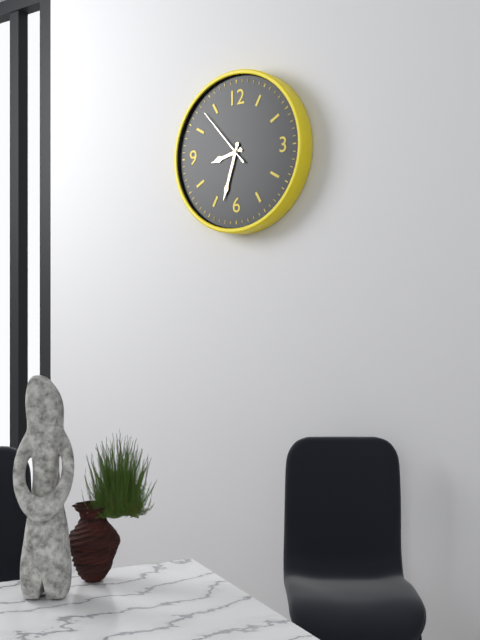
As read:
**8:33:53**
